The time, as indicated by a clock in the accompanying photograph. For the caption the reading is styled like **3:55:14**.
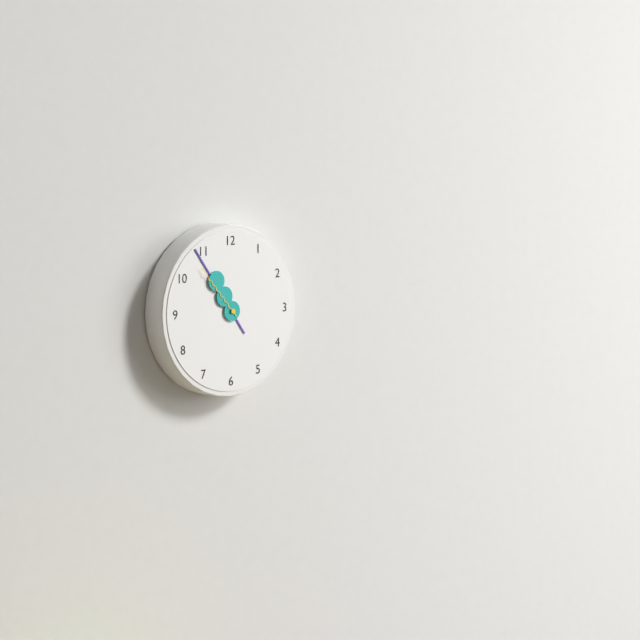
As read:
**10:54:53**
